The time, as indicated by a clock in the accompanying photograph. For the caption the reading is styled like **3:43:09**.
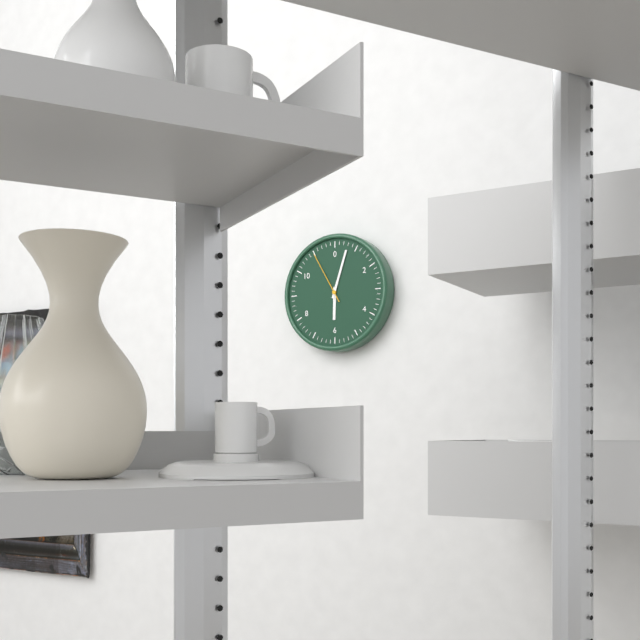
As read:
**6:03:55**
